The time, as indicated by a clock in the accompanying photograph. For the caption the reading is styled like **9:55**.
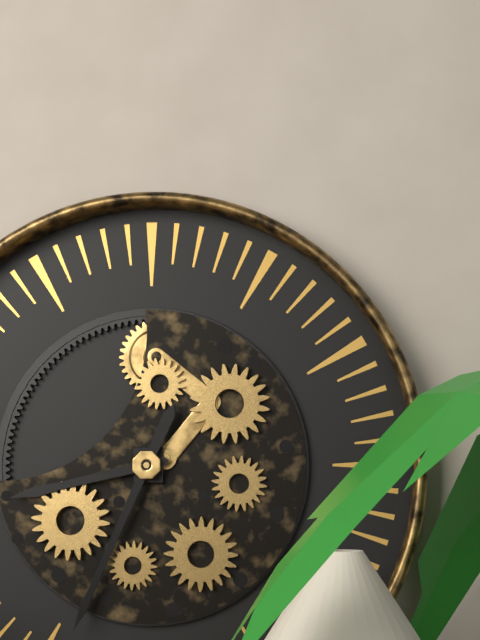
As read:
**8:34**
